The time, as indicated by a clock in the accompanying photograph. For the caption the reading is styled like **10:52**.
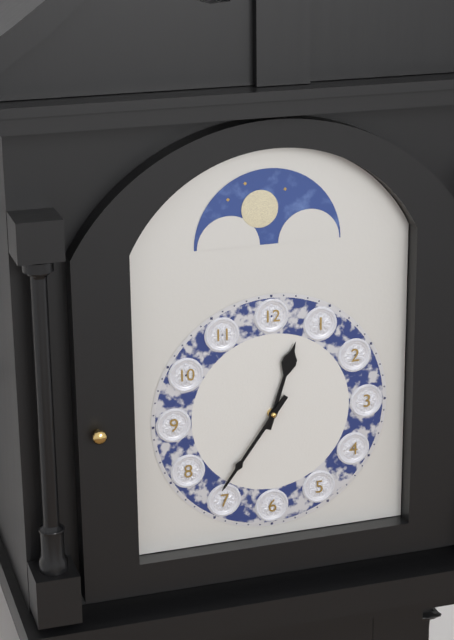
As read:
**12:36**
